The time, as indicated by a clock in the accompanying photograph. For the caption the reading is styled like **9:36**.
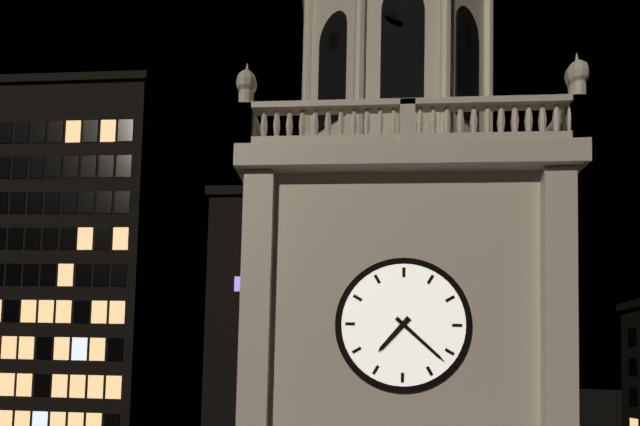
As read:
**7:22**
